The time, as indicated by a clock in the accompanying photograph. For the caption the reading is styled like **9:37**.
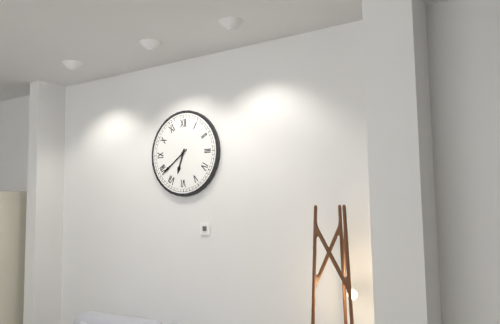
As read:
**6:39**
